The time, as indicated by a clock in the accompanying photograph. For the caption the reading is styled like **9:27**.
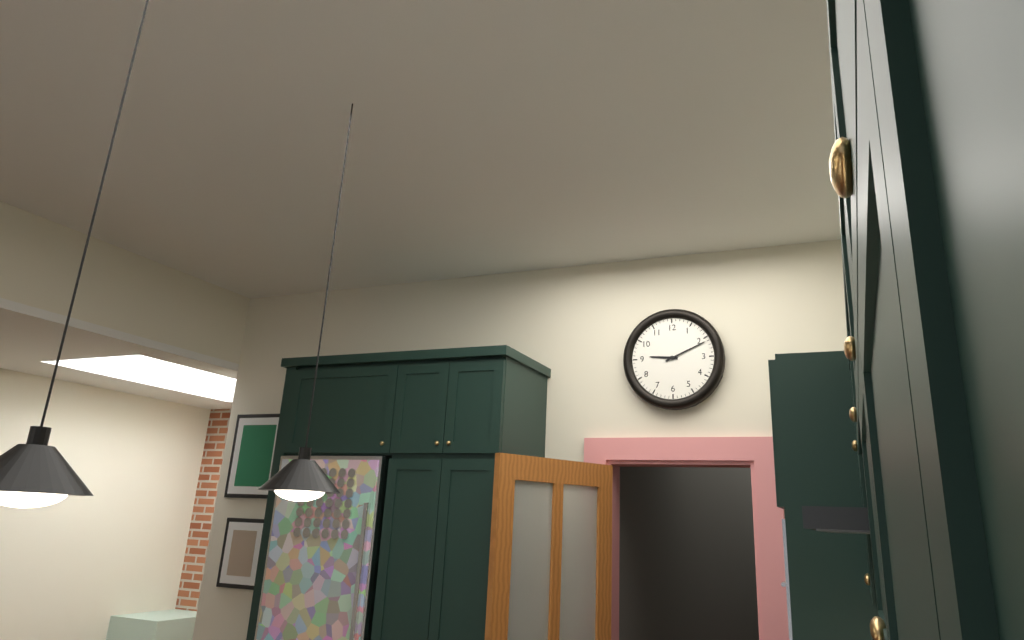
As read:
**9:11**
